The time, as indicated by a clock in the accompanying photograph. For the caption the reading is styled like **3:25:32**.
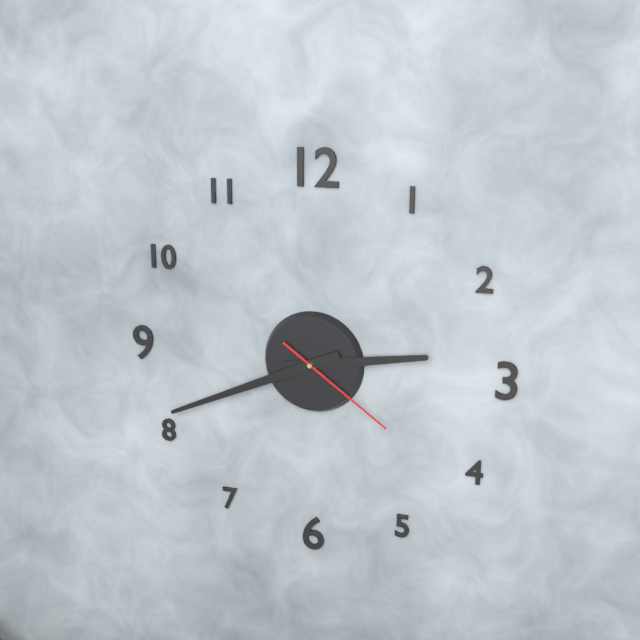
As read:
**2:41:21**
